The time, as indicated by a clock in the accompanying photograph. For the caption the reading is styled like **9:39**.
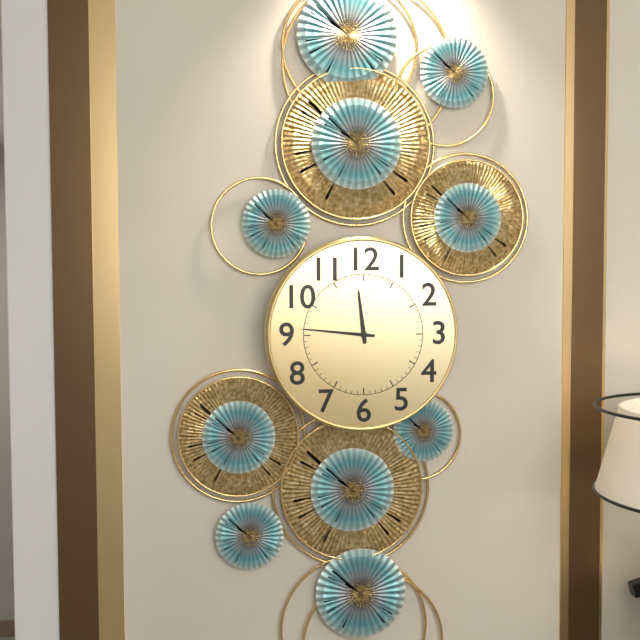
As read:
**11:46**
